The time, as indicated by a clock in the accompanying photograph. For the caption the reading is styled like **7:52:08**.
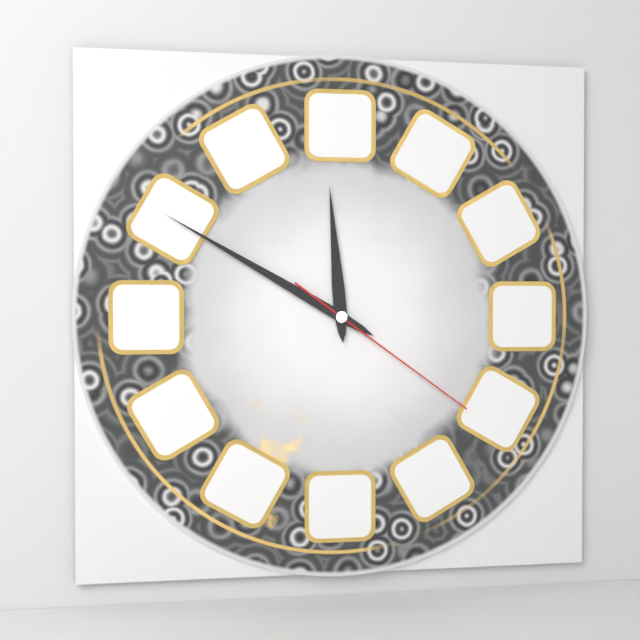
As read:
**11:50:21**
